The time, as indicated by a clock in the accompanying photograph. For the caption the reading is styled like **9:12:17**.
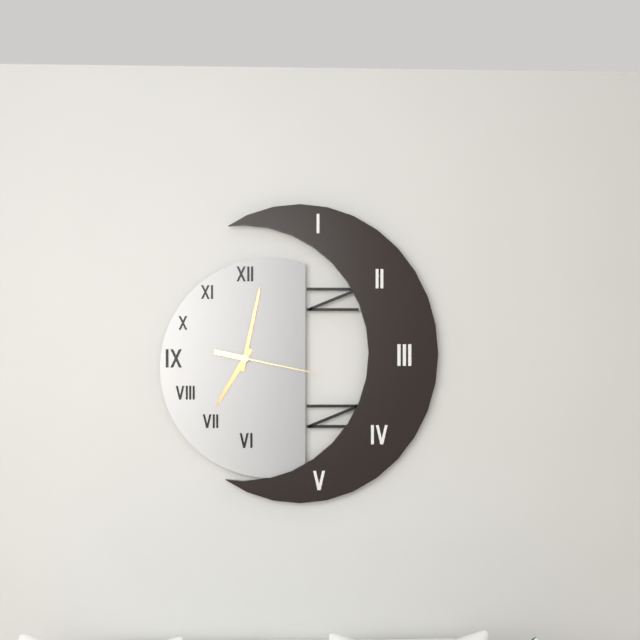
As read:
**7:02:17**
